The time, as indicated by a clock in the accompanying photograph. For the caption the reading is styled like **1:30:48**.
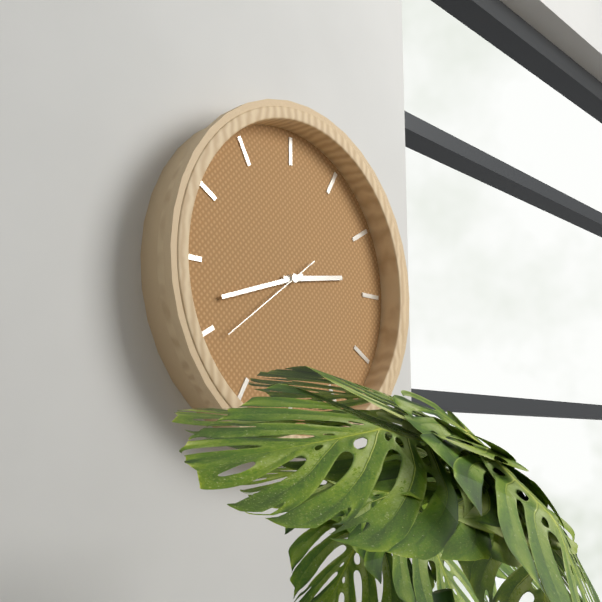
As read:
**2:42:39**
